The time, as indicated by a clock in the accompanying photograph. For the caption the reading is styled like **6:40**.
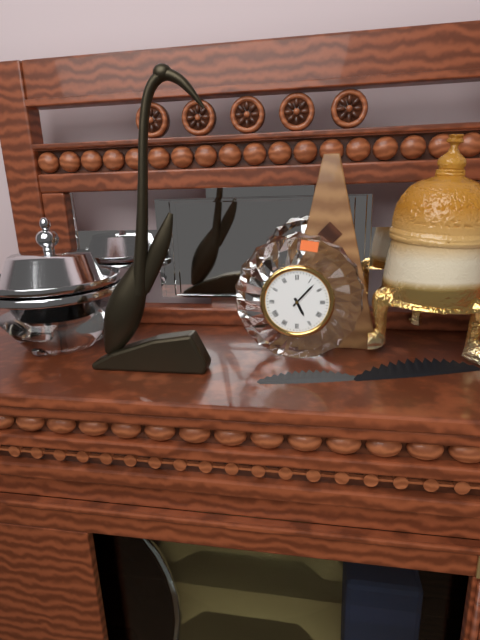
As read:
**5:07**
